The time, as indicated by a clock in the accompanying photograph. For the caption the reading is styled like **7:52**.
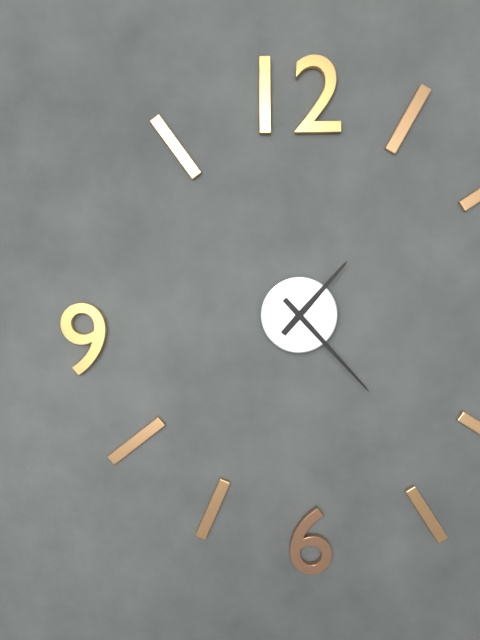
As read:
**1:23**
